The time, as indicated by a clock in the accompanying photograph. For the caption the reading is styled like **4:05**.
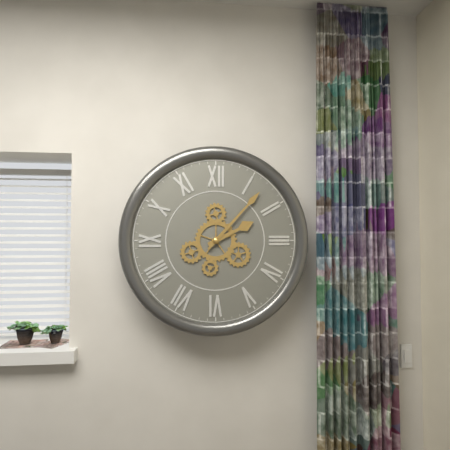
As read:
**2:07**
